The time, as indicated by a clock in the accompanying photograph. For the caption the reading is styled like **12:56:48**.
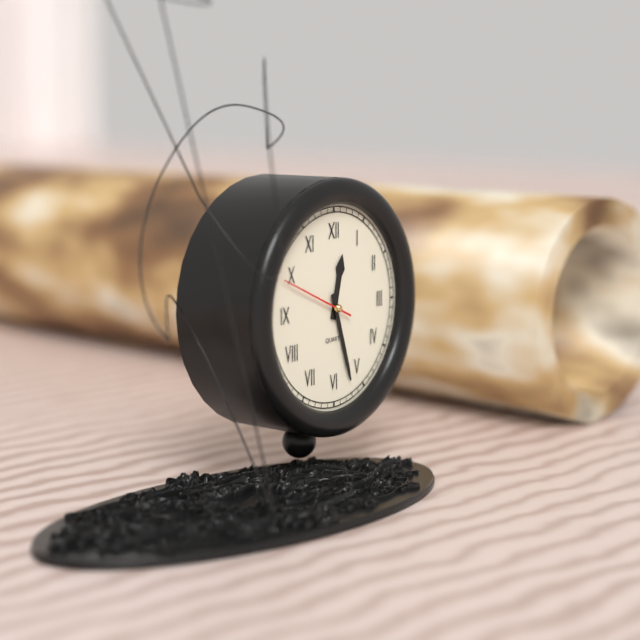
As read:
**12:27:49**
